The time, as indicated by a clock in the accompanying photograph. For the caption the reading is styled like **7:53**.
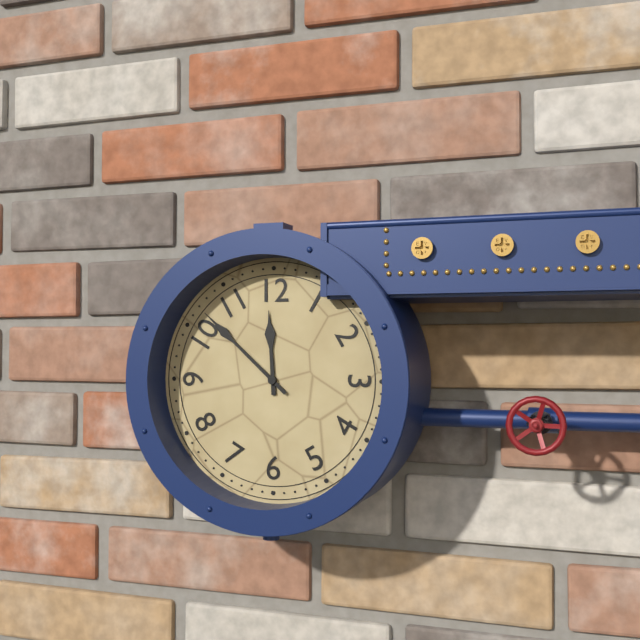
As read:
**11:52**
